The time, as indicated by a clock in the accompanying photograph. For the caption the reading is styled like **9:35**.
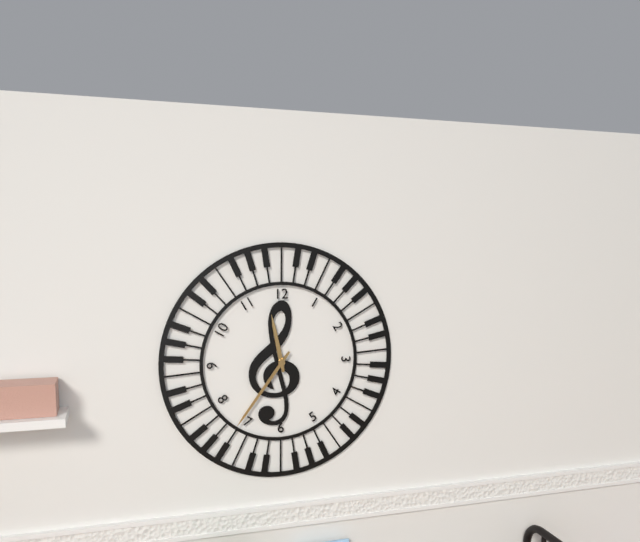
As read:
**11:36**
